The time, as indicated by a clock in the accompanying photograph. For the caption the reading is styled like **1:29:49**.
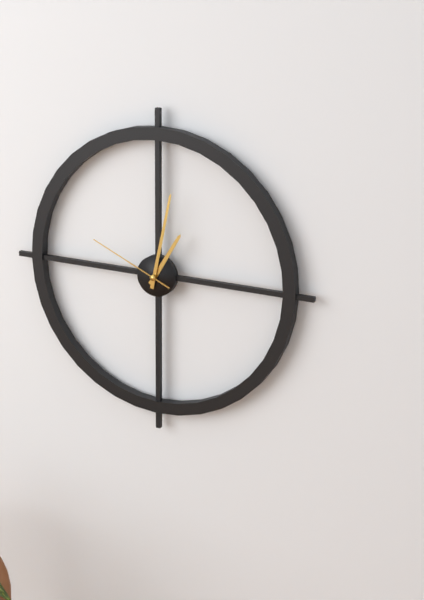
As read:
**1:02:49**
